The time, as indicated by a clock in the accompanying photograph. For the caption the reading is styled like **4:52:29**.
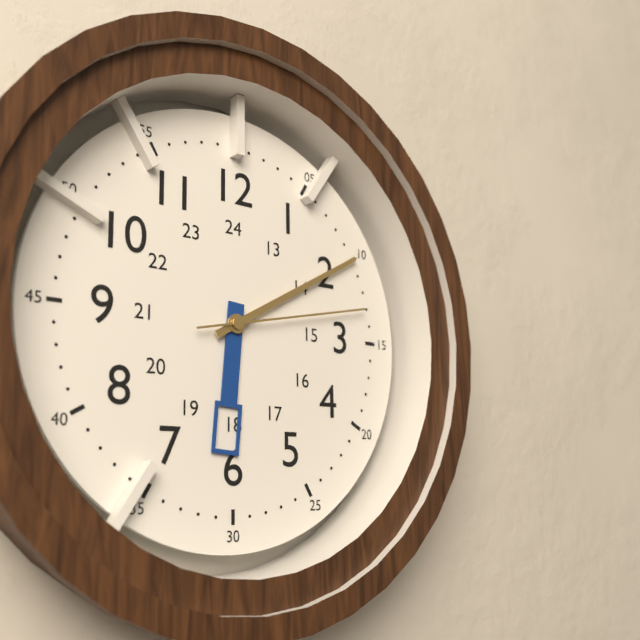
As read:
**6:10:13**
